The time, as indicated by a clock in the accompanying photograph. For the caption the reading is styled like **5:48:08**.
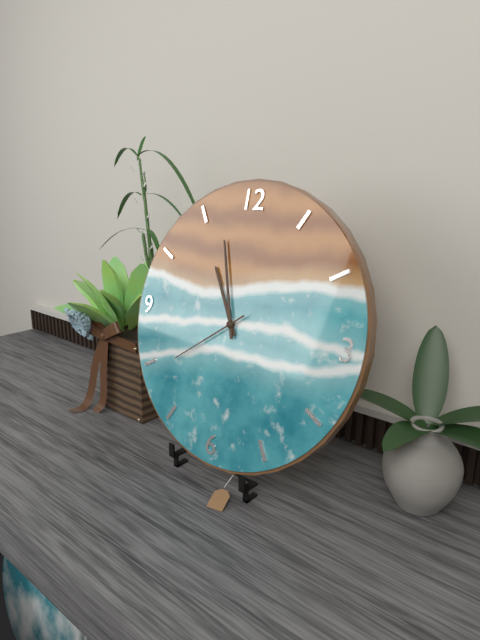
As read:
**10:57:39**
